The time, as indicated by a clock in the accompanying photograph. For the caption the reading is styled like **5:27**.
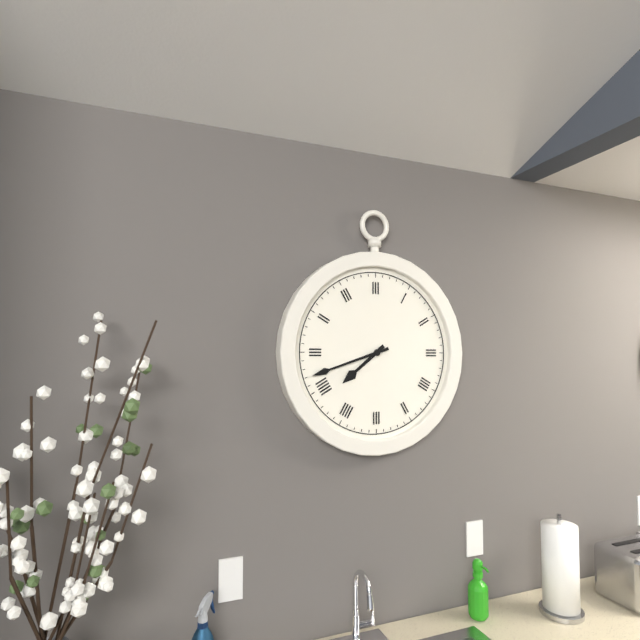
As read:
**7:42**
